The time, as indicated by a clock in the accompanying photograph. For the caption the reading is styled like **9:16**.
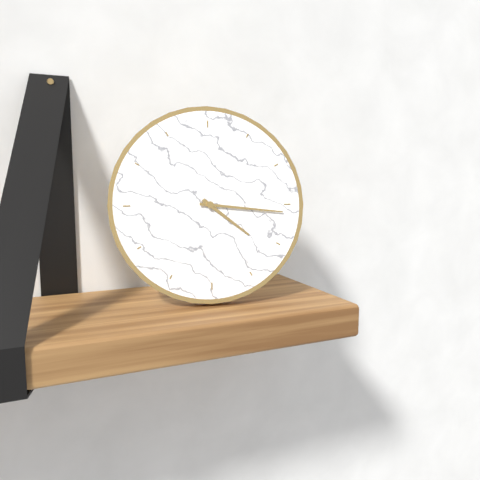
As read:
**4:16**
